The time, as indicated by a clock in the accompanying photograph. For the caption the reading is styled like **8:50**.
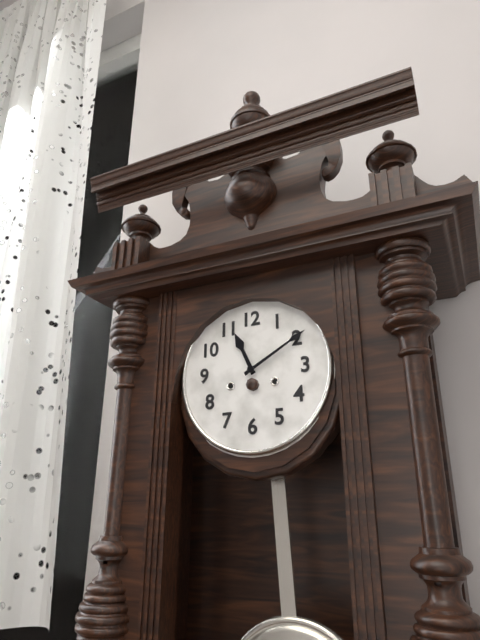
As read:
**11:10**
